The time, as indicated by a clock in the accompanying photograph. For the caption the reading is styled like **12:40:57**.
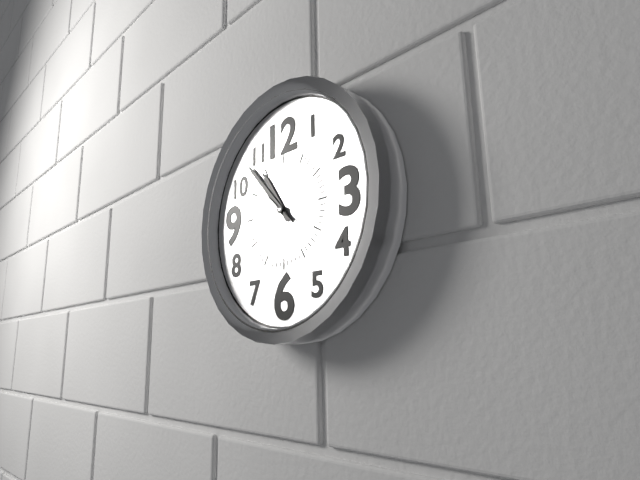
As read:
**10:53:52**
